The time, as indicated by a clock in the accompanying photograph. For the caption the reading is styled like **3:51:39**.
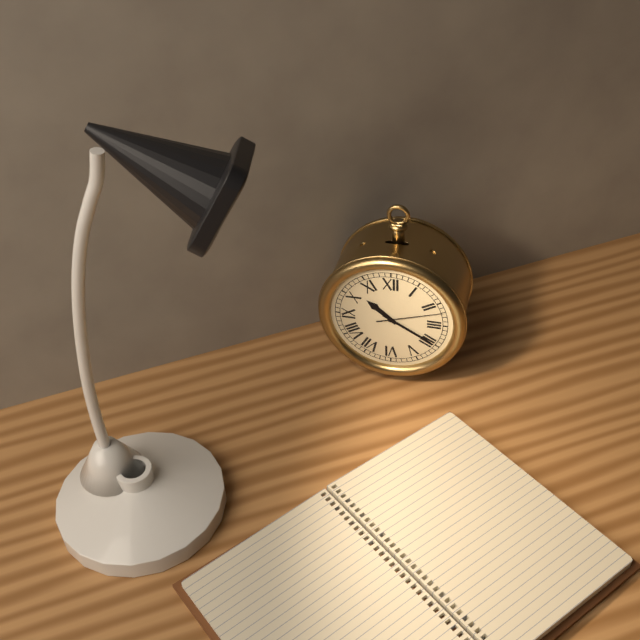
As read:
**10:20:12**
